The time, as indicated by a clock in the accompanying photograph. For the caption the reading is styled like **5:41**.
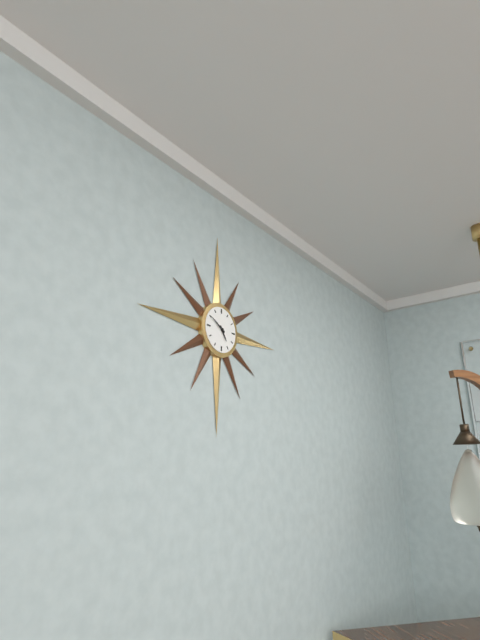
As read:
**4:50**
